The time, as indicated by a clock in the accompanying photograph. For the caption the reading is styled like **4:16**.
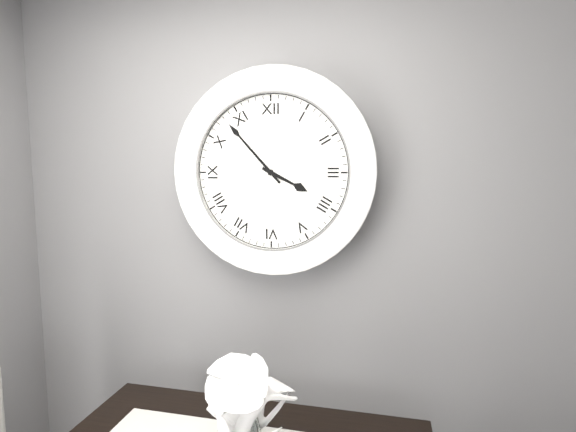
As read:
**3:53**
